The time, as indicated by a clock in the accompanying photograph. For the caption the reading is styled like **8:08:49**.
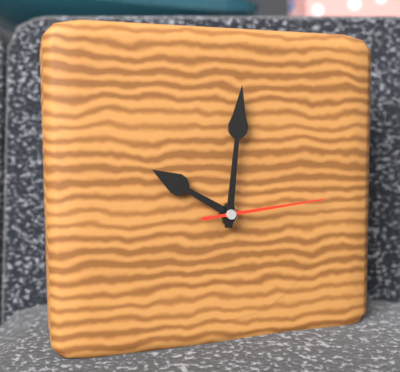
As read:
**10:01:14**
